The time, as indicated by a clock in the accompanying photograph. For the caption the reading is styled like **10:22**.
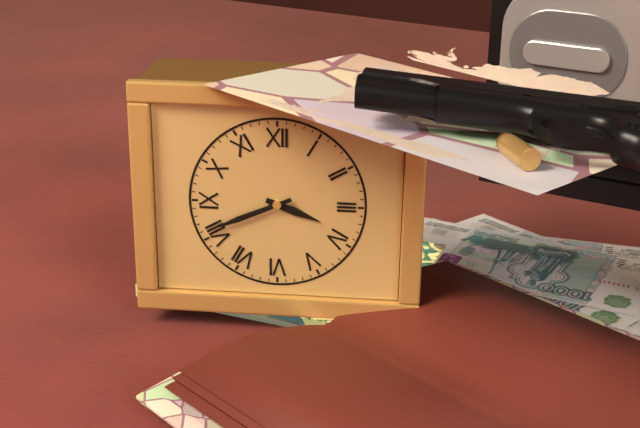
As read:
**3:41**
